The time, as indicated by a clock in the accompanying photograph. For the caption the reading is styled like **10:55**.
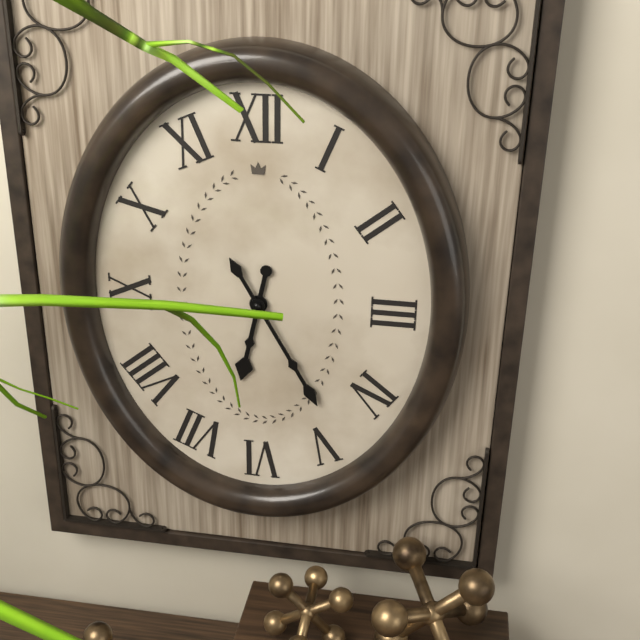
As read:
**6:25**
